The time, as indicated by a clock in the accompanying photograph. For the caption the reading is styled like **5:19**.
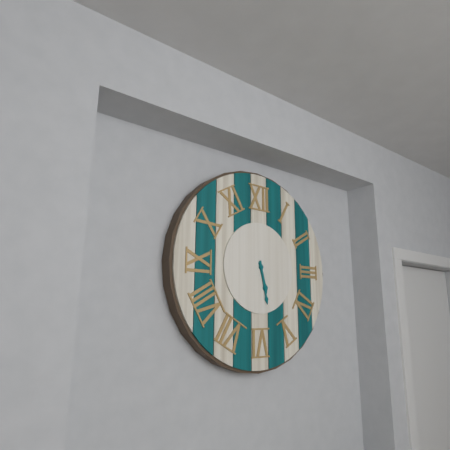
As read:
**5:28**
